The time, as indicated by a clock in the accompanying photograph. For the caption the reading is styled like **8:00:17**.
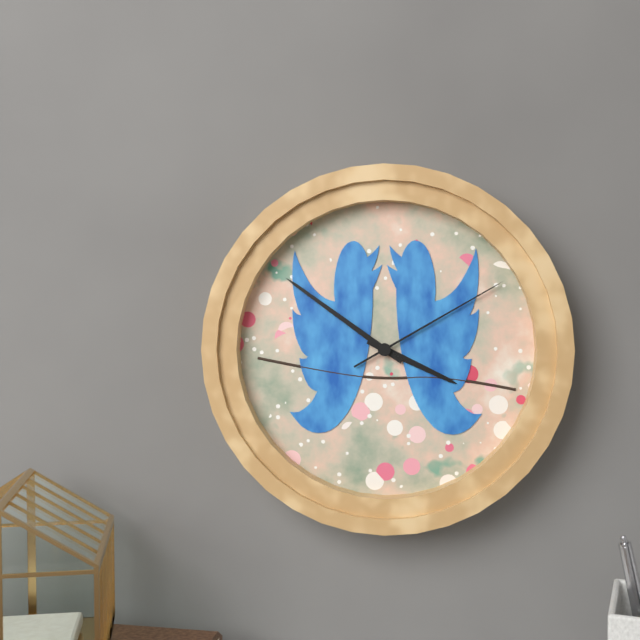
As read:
**3:51:10**
